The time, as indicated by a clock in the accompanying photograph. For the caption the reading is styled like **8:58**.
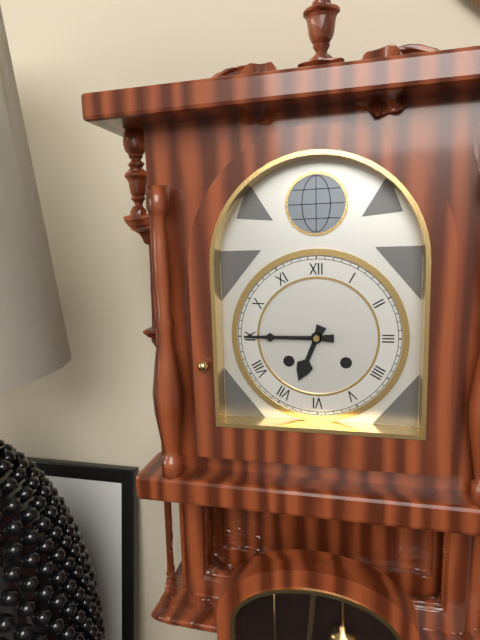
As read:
**6:45**
